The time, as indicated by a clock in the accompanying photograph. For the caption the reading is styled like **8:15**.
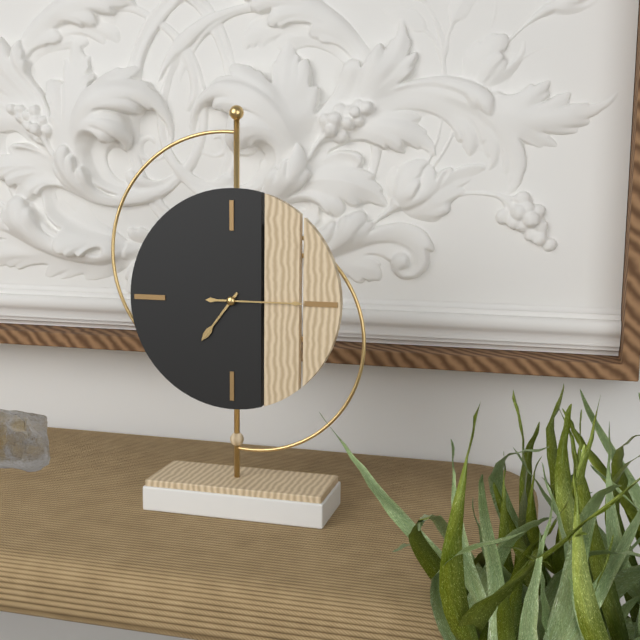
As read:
**7:15**
